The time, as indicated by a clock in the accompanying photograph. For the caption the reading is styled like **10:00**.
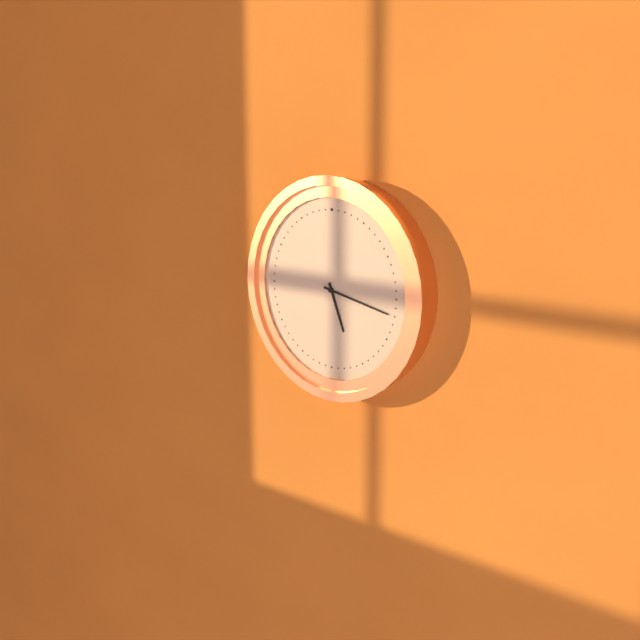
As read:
**5:17**
